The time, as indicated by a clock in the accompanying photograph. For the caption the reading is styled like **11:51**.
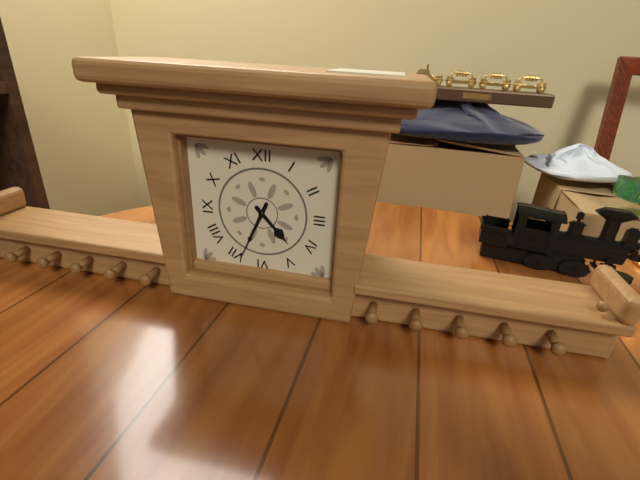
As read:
**4:34**
